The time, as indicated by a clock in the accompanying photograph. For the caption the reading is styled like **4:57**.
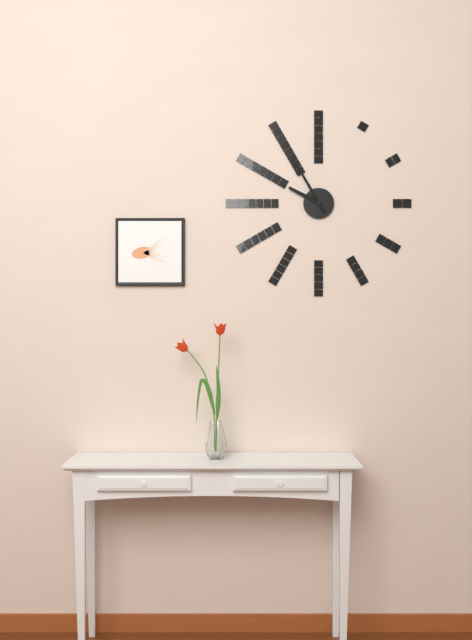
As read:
**9:55**
